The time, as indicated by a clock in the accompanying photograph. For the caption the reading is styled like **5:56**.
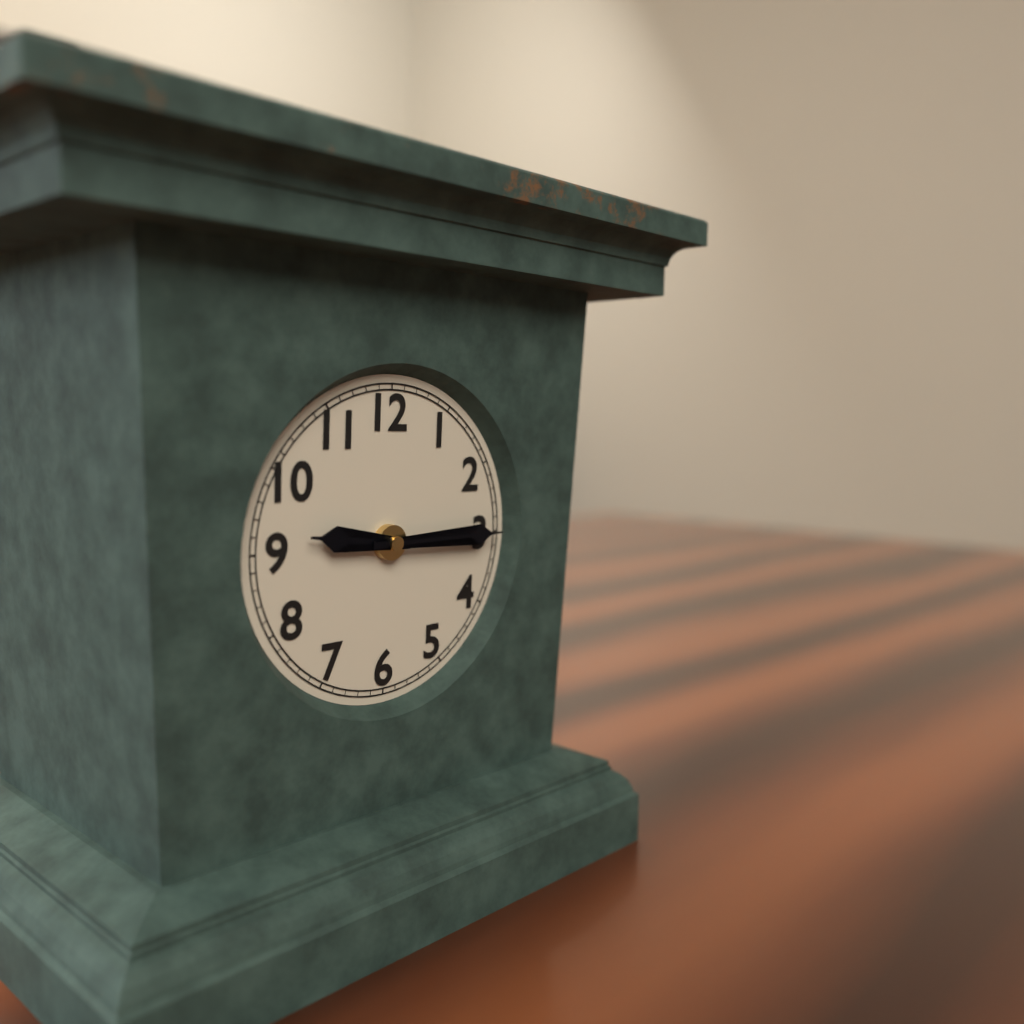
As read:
**9:15**
